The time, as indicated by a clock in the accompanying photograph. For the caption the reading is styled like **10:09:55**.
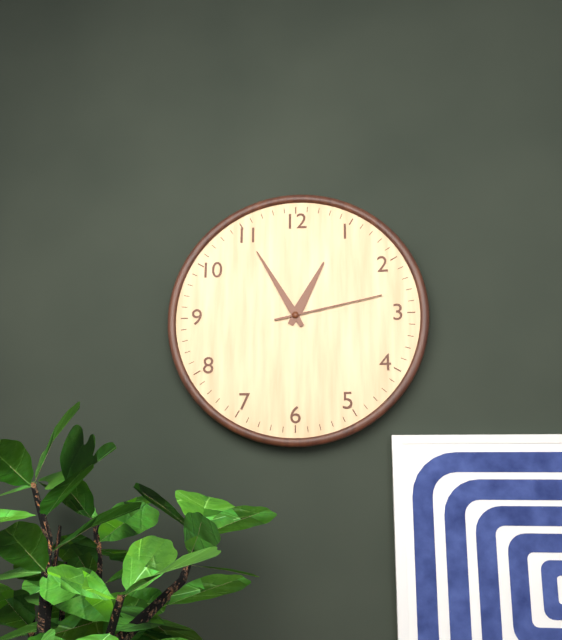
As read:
**12:55:13**
